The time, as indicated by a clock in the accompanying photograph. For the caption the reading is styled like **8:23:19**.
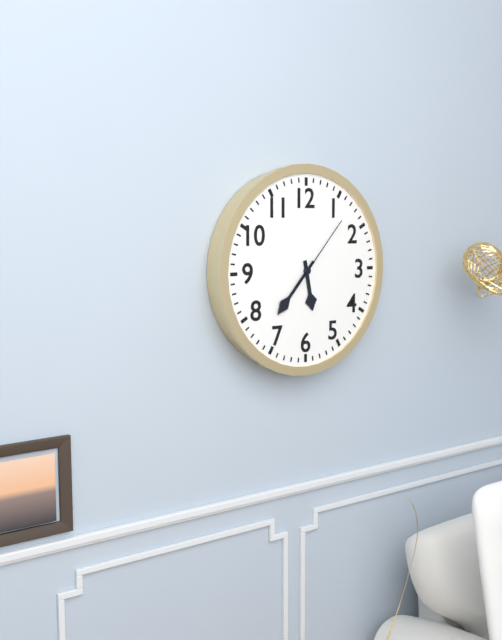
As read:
**5:37:07**
